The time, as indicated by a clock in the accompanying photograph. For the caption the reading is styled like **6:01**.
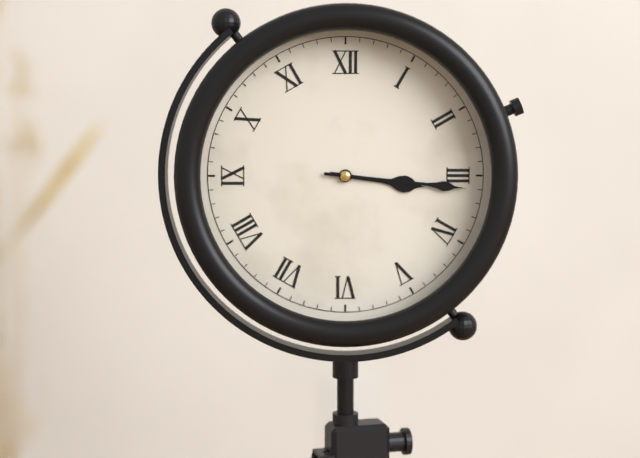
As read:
**3:16**
